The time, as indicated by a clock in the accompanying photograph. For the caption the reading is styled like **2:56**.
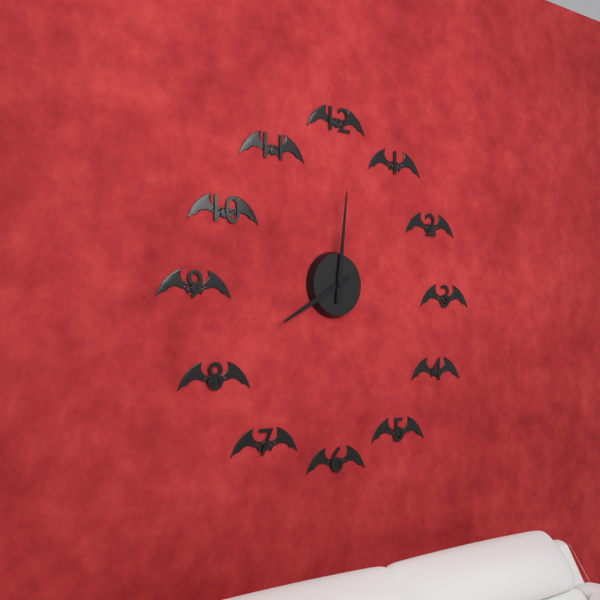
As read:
**8:01**
